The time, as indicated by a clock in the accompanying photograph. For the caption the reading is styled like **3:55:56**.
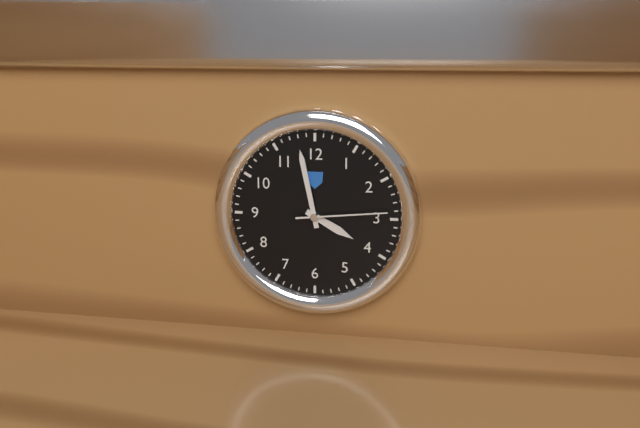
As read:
**3:58:14**
